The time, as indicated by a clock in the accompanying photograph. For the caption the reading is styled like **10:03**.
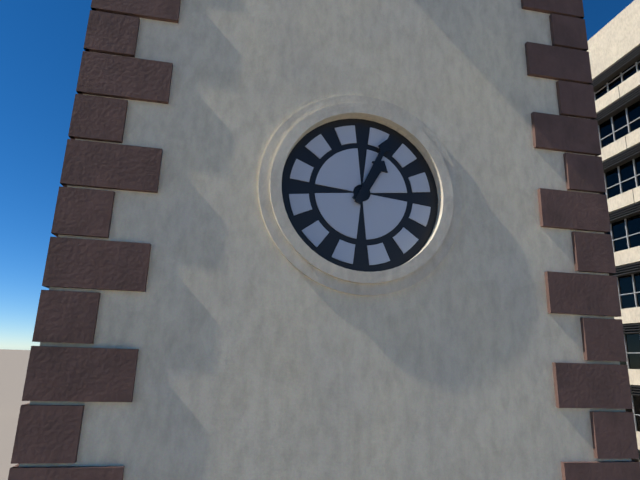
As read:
**1:04**
